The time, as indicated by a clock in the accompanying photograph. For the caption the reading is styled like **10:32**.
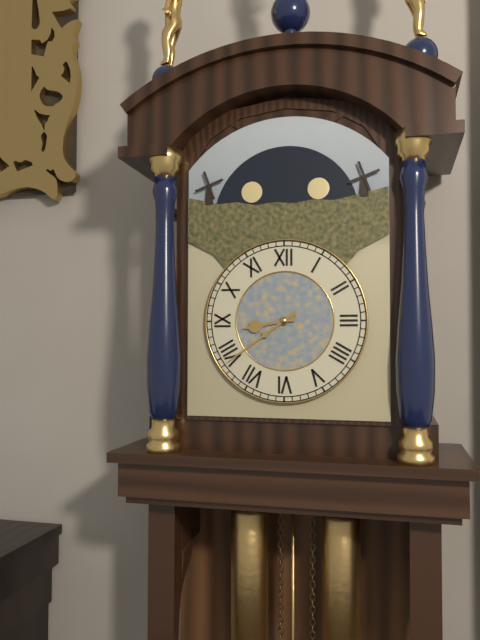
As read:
**8:39**
